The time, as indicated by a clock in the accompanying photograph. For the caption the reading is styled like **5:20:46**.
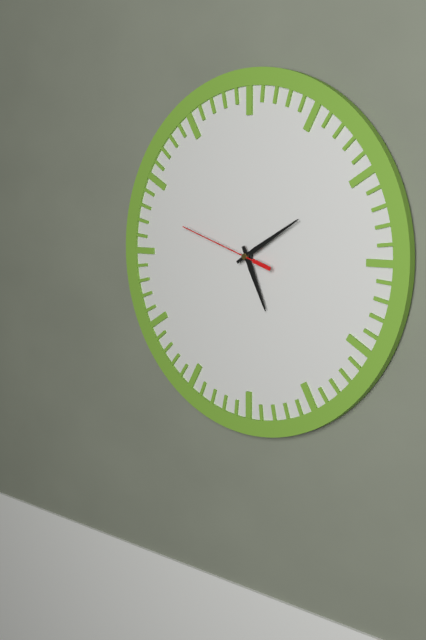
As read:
**5:10:48**
